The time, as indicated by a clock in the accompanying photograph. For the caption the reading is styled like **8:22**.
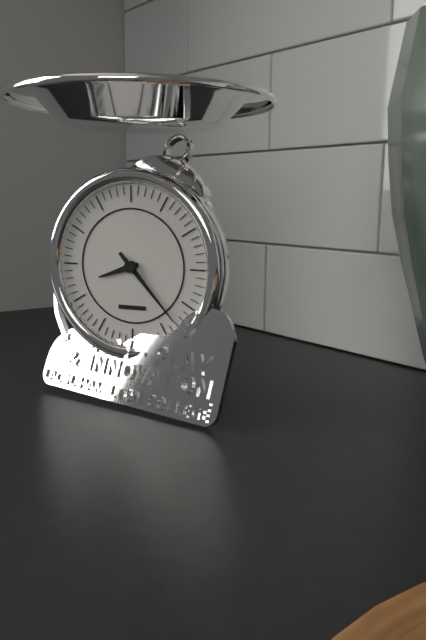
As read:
**8:23**
